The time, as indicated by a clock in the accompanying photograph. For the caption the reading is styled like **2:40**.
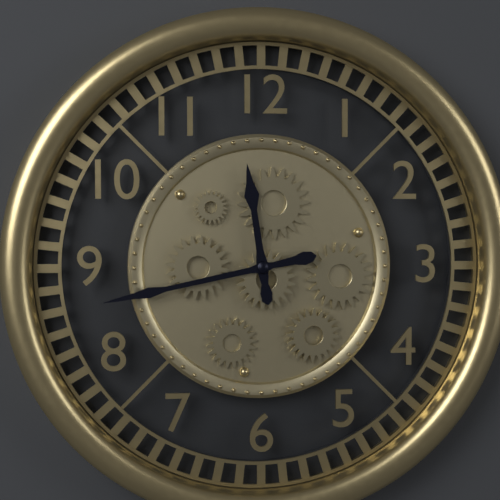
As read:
**11:43**
